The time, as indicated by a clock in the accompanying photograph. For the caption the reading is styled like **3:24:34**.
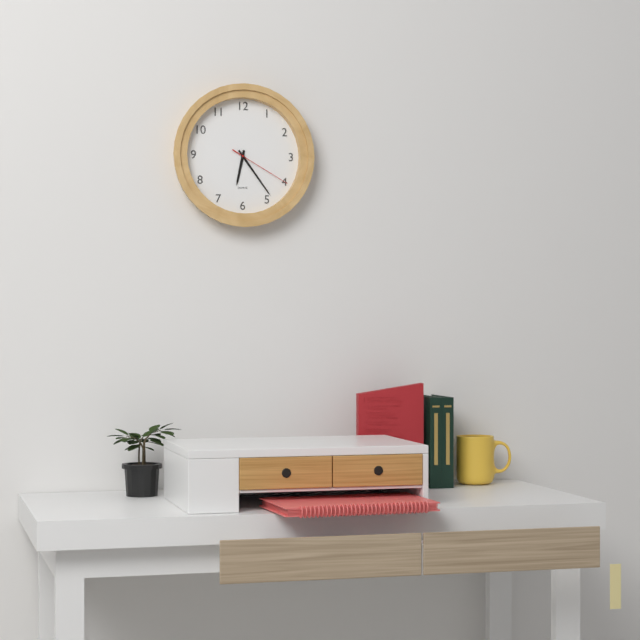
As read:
**6:24:20**
